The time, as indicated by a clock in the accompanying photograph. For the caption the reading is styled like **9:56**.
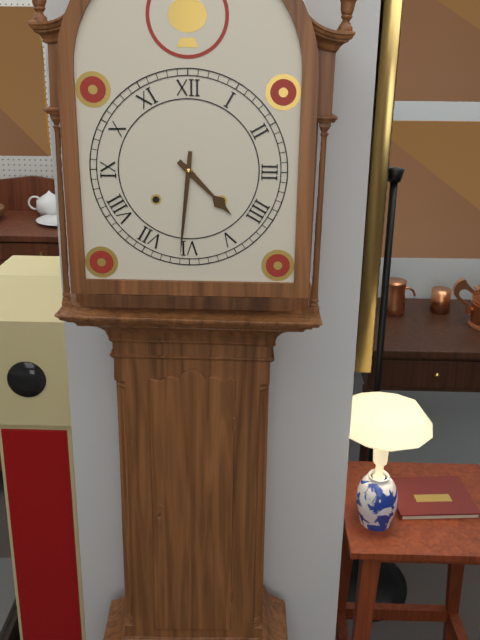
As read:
**4:31**
